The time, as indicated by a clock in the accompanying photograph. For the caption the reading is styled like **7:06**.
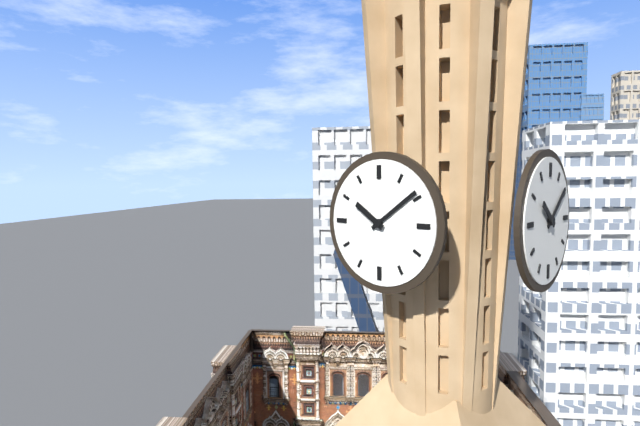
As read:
**10:09**
